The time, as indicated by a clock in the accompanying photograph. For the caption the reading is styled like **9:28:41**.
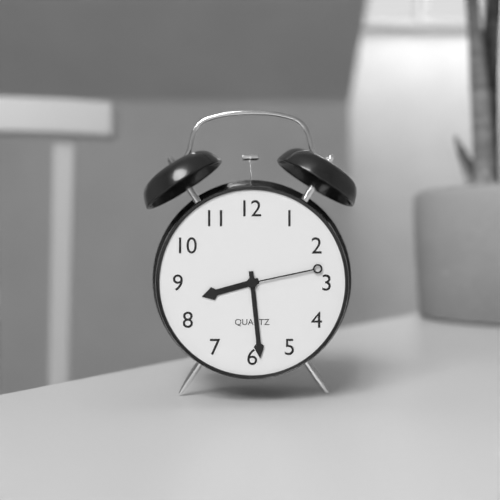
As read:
**8:29:13**
